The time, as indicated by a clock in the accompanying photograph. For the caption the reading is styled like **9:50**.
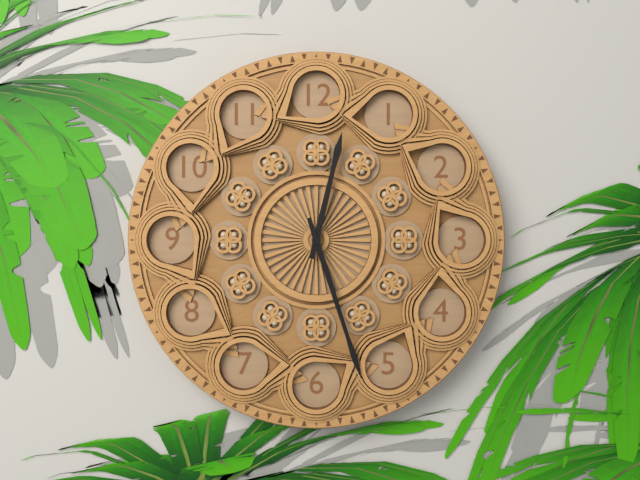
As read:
**12:27**
